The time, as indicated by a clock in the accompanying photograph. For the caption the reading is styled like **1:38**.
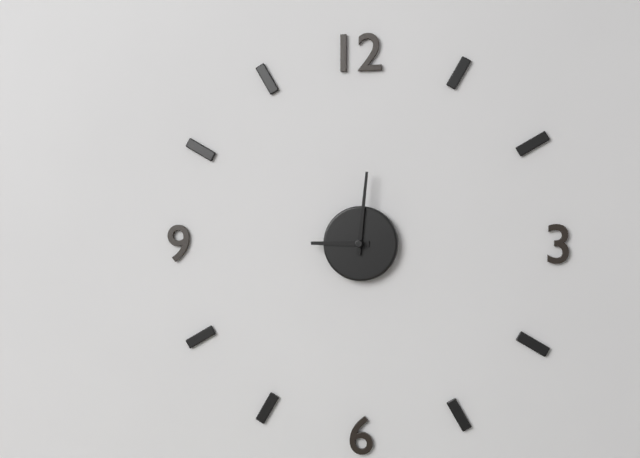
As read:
**9:01**
